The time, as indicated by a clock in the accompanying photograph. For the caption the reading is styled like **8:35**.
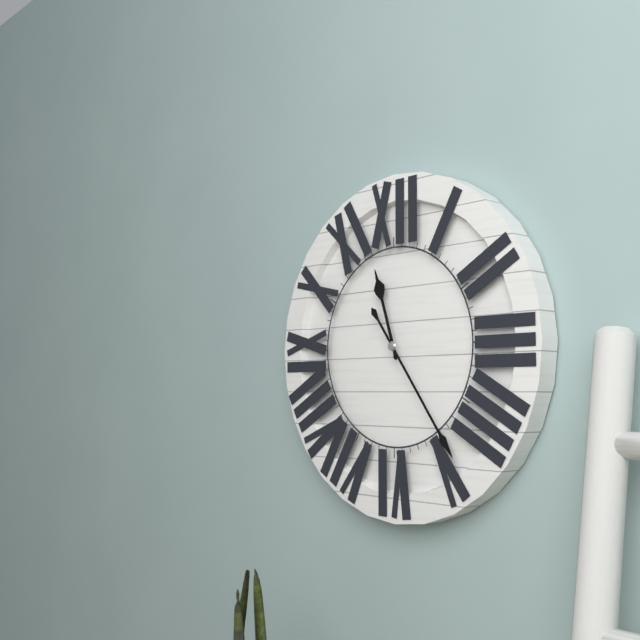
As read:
**11:24**
